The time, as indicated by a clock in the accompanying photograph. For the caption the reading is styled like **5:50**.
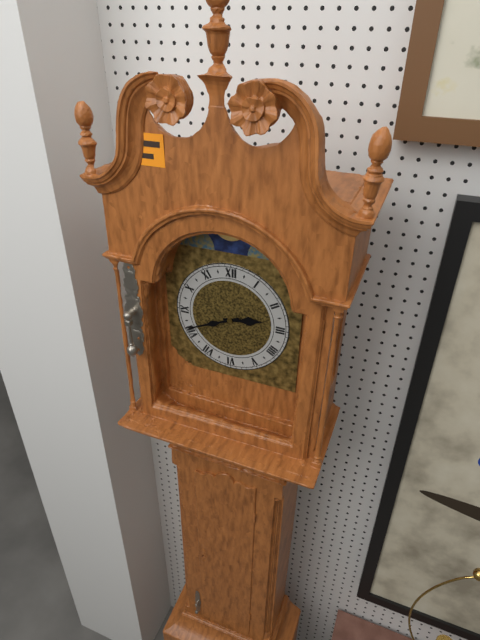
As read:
**2:41**
